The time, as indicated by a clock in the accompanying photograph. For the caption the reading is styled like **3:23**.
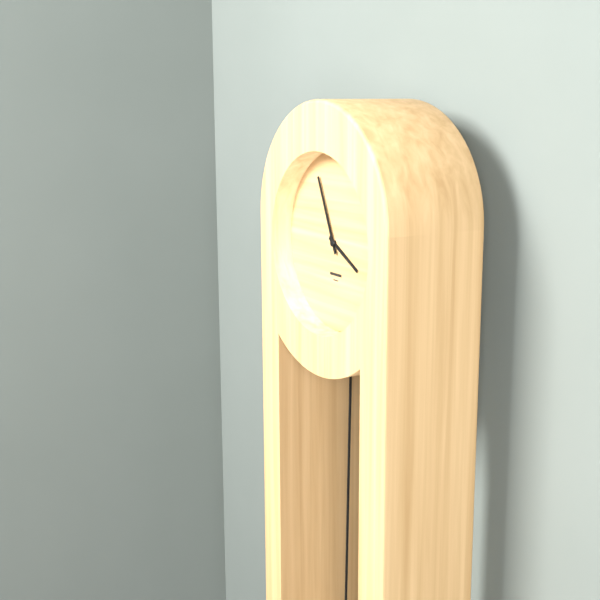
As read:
**3:56**
